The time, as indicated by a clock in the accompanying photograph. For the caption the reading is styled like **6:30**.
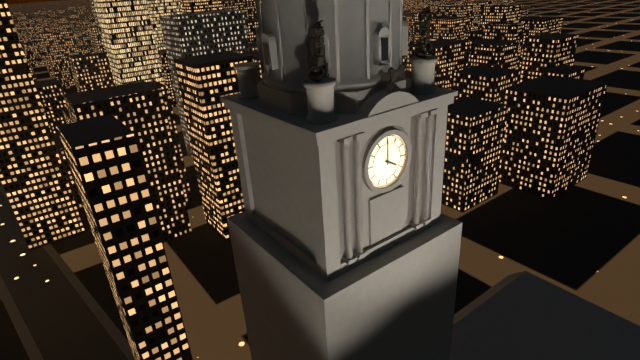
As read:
**4:00**
